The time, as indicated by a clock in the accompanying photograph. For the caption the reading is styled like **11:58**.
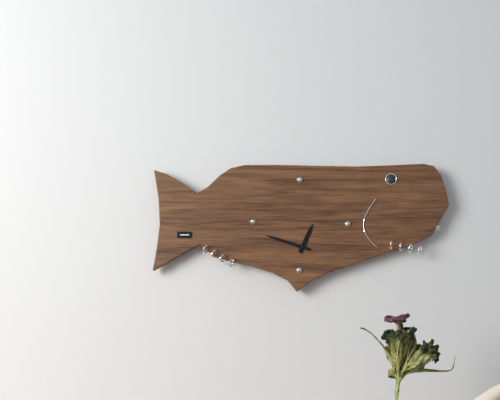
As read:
**12:48**
